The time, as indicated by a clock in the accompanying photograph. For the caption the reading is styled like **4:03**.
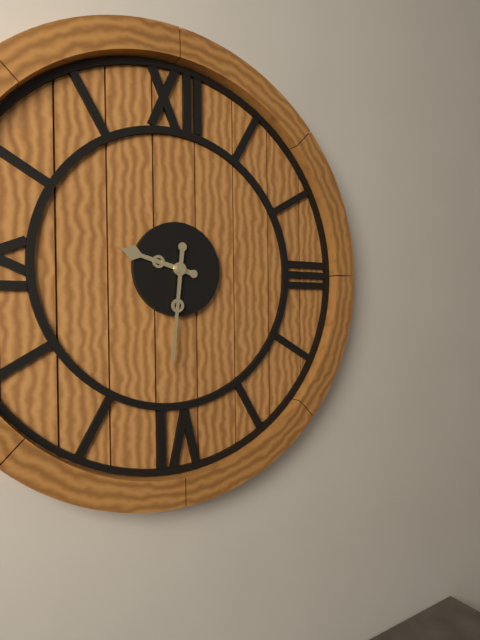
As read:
**9:31**
